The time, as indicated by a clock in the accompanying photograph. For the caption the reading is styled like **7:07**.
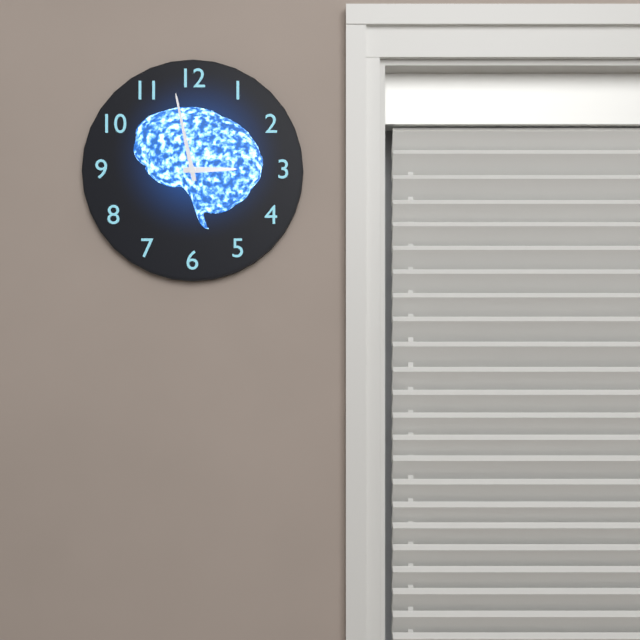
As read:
**2:58**
